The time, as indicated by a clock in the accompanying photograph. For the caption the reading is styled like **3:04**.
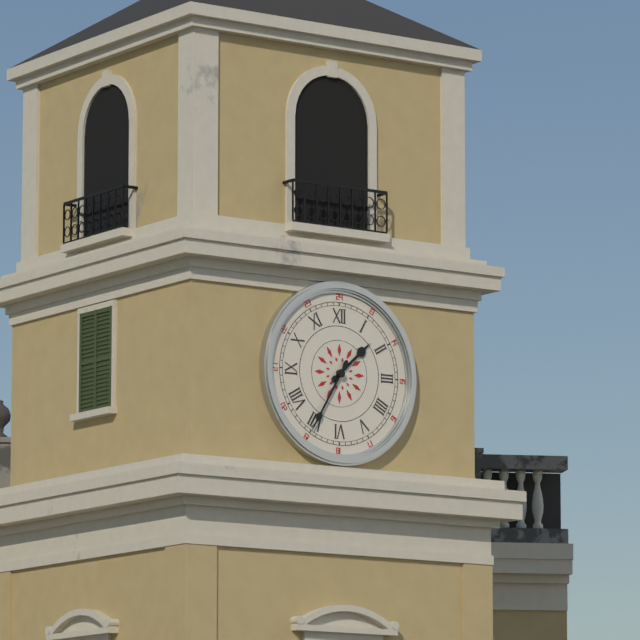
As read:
**1:35**
